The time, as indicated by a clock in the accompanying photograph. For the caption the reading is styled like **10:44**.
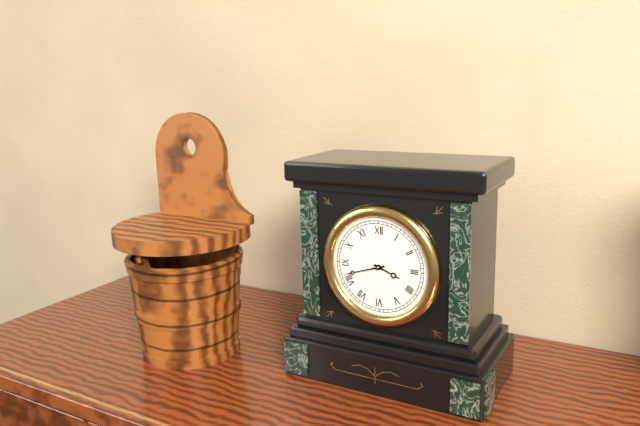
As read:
**3:42**
